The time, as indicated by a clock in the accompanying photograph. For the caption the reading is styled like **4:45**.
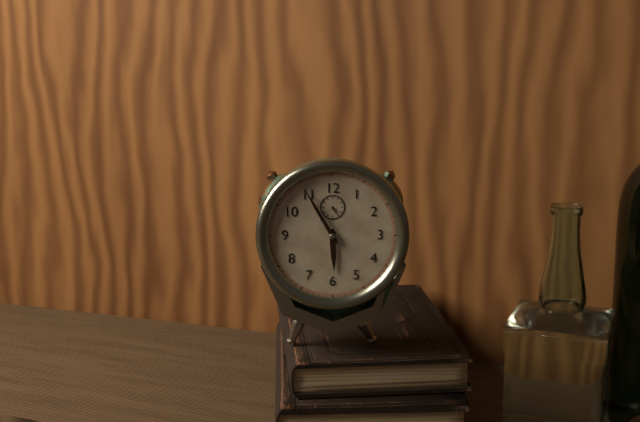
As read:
**5:55**
